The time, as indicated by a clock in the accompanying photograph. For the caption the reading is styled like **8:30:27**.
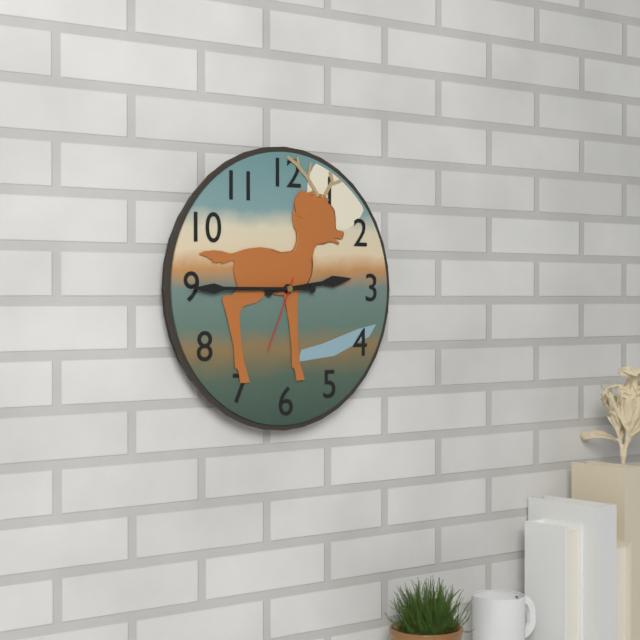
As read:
**2:45:34**
